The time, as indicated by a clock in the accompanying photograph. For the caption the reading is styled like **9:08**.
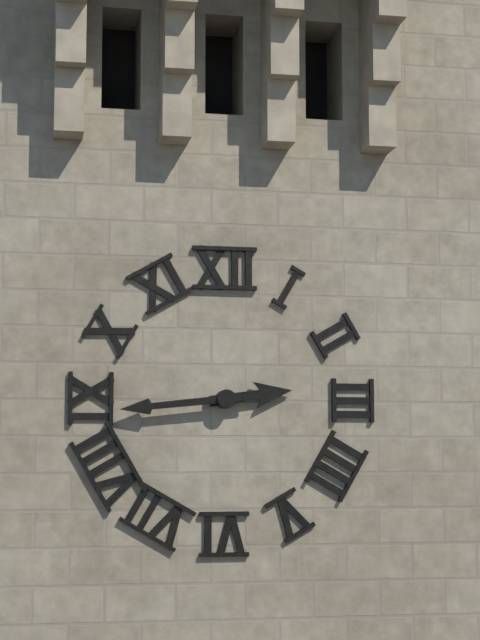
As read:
**2:44**
